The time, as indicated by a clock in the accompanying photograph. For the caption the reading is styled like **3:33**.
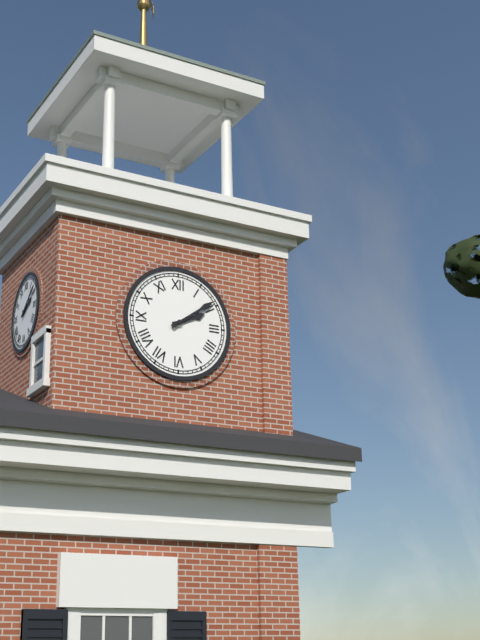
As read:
**2:09**
